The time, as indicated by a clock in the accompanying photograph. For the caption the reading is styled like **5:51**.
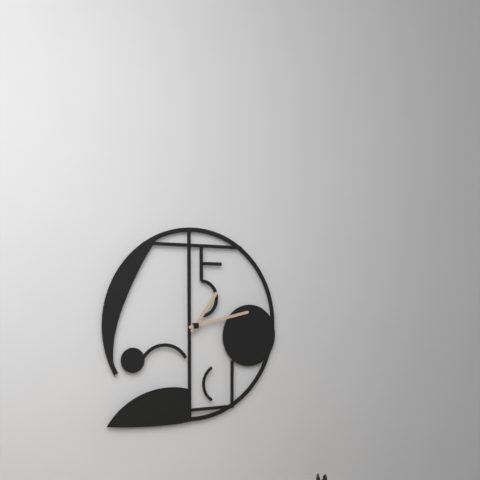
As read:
**1:13**
